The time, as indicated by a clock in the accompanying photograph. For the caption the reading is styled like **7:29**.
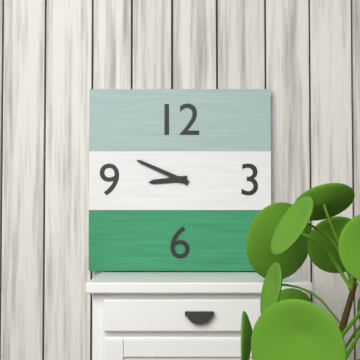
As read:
**8:49**
